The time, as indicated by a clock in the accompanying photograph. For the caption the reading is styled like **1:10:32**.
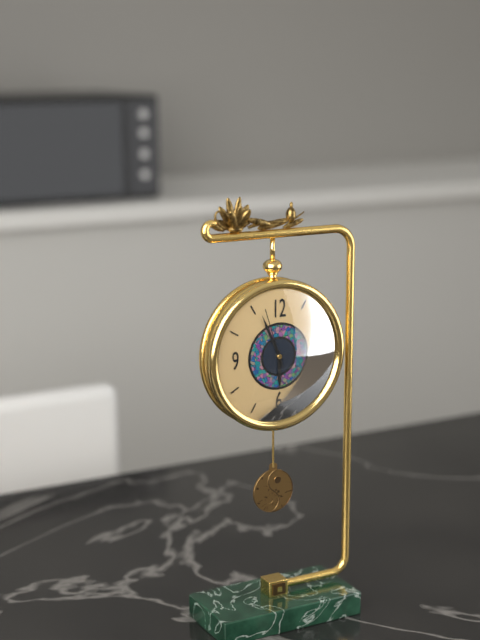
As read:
**5:56:57**
